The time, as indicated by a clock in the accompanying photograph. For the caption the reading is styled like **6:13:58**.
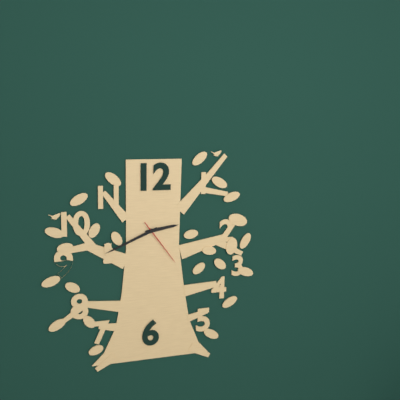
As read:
**2:41:24**
